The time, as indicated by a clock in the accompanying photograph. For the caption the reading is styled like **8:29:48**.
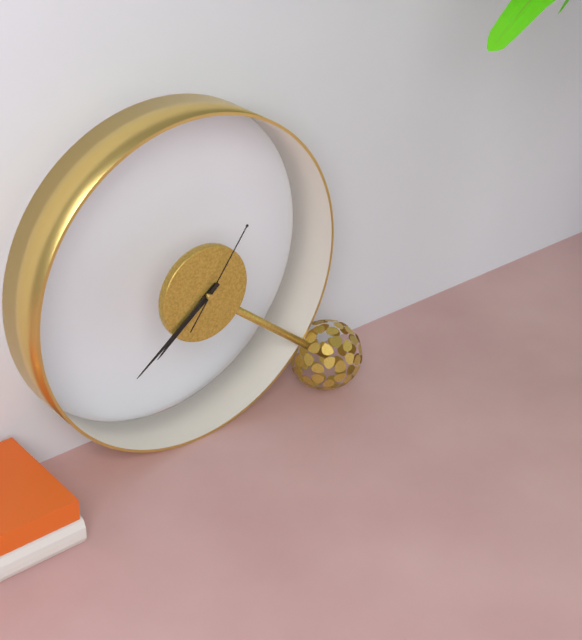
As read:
**7:39:06**
